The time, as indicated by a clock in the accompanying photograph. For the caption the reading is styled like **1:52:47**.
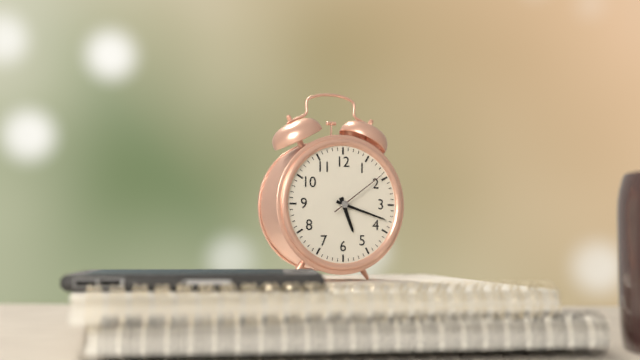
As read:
**5:18:09**
